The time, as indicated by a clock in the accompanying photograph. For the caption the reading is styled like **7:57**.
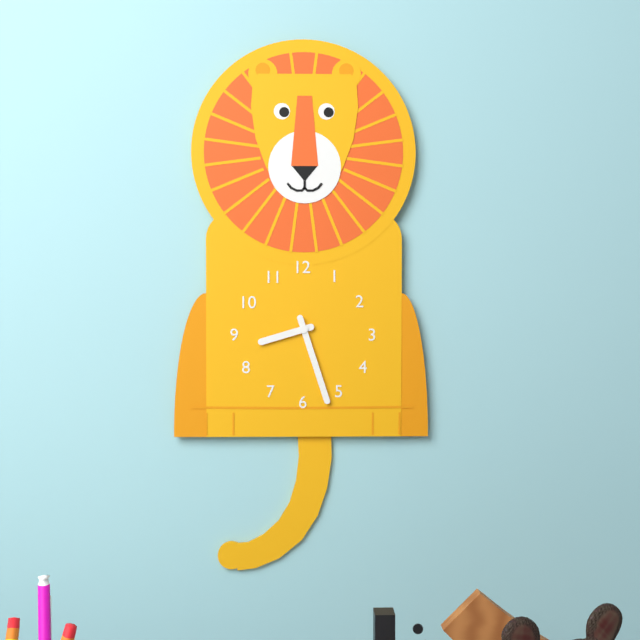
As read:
**8:27**
